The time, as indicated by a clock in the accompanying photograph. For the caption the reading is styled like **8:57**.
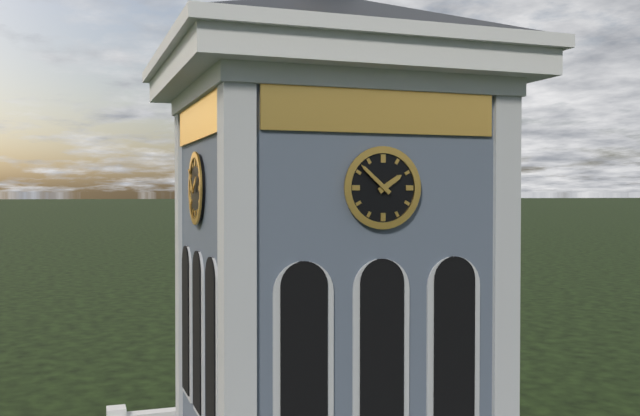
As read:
**1:52**
